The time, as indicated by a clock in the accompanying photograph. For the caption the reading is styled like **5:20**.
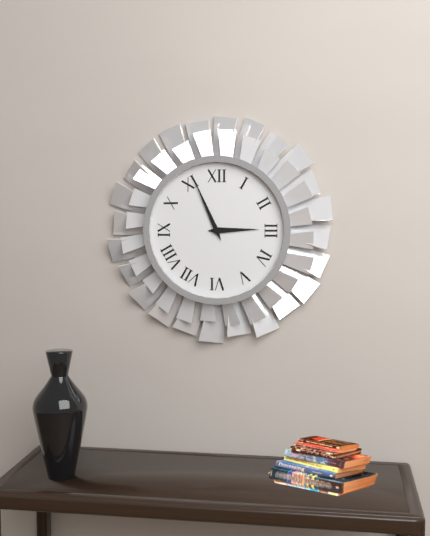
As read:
**2:56**
